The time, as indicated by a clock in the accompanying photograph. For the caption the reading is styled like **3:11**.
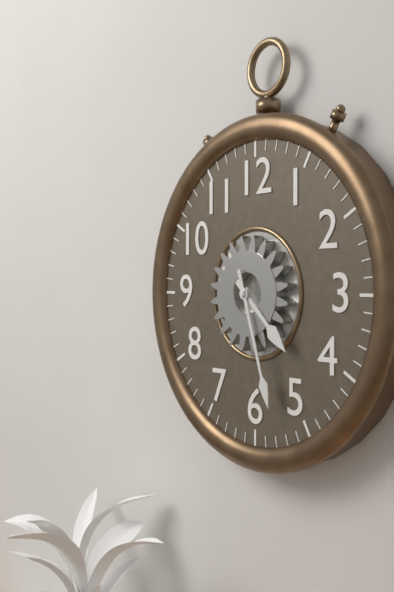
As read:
**4:27**
